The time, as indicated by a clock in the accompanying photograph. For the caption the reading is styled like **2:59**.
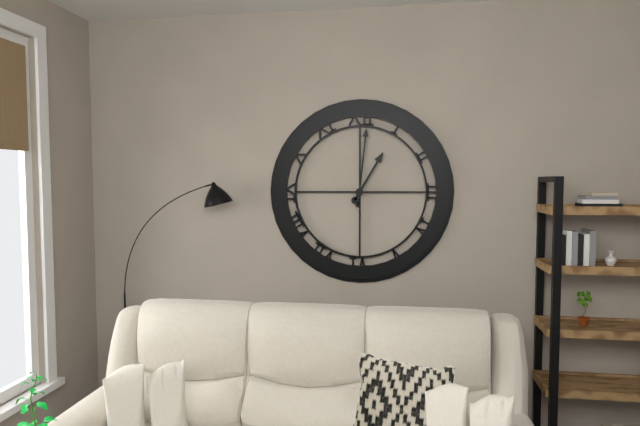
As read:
**1:01**
